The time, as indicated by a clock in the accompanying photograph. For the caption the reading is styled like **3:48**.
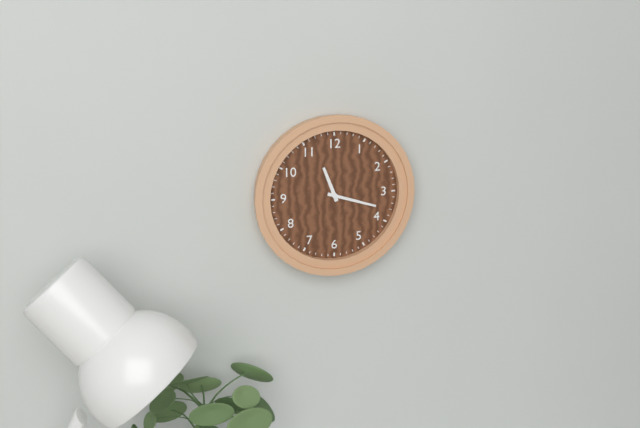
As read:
**11:18**
